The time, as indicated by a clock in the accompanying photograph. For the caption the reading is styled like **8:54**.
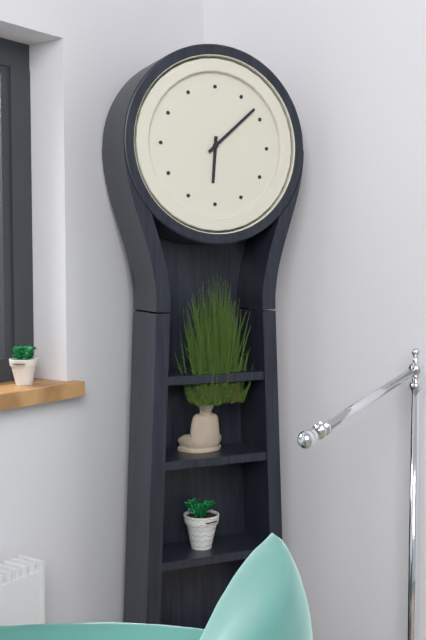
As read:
**6:08**
